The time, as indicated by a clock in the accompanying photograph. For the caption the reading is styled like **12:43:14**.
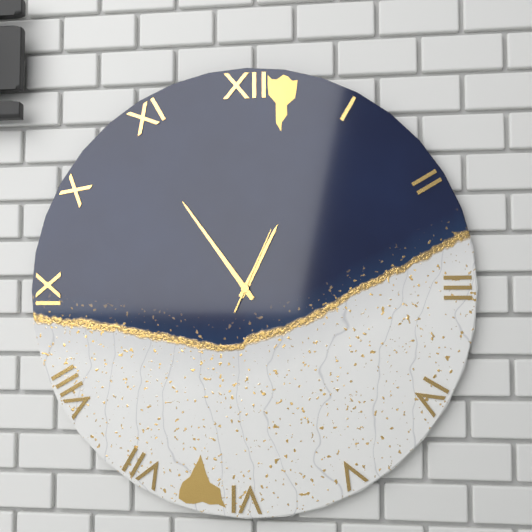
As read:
**12:54:04**
